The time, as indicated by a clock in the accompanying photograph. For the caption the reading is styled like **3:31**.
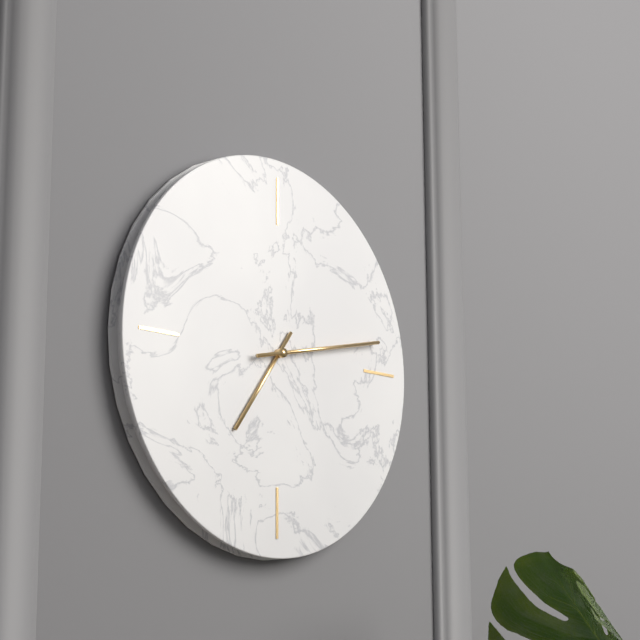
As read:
**7:13**
